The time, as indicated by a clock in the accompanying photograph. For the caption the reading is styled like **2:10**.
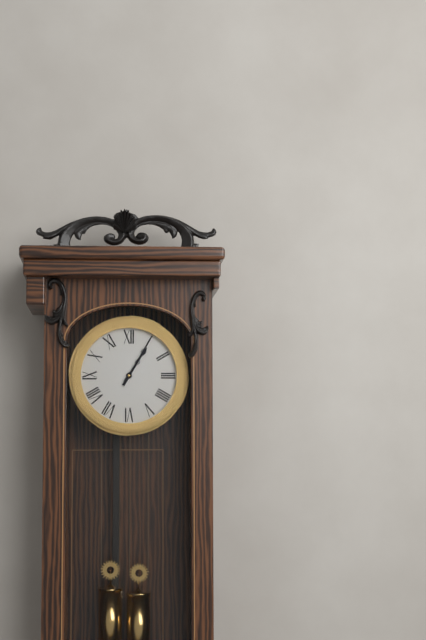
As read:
**1:05**
